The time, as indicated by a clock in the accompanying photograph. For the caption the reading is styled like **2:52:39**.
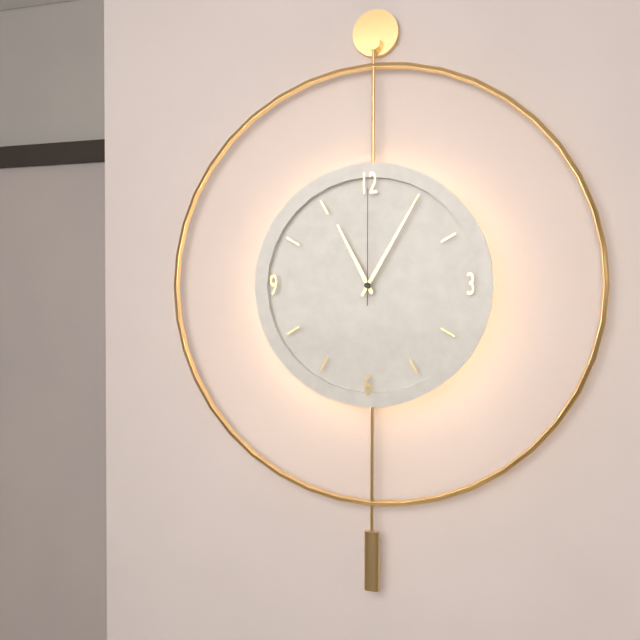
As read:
**11:05:00**
